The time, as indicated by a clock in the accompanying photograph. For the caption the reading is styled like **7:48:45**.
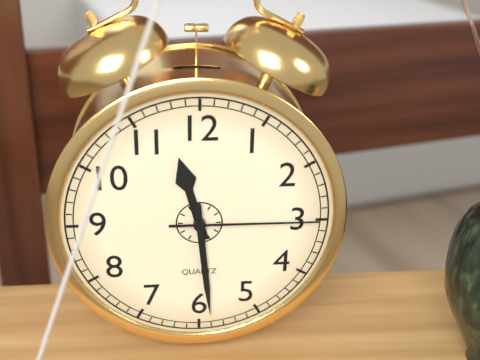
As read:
**11:29:15**
